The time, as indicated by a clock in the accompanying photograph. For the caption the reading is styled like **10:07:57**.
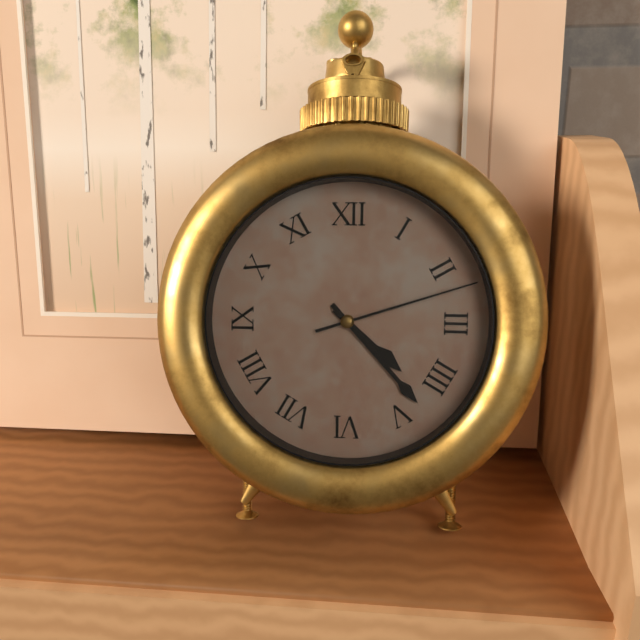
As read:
**4:23:12**
